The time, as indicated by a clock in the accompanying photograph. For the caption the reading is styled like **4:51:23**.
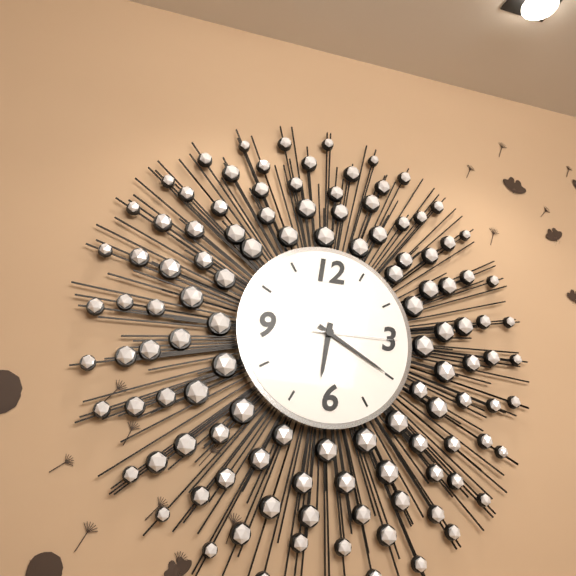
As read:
**6:20:15**
